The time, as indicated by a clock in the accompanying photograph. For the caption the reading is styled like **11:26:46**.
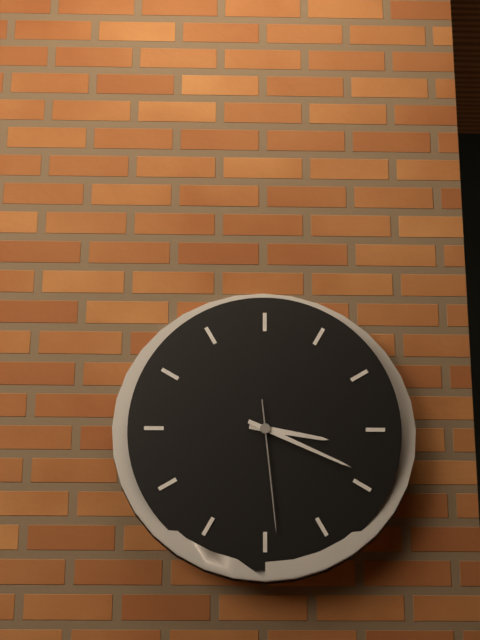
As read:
**3:19:29**
